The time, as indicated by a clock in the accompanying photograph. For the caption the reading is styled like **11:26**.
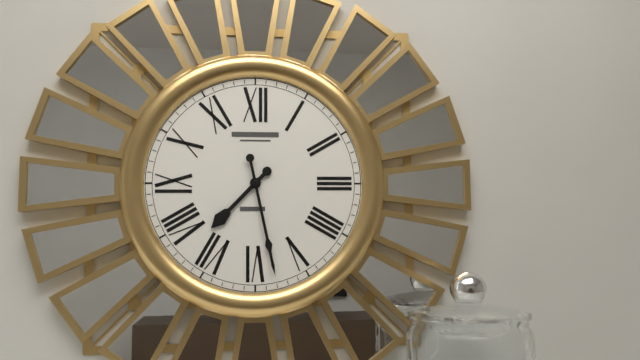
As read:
**7:28**
